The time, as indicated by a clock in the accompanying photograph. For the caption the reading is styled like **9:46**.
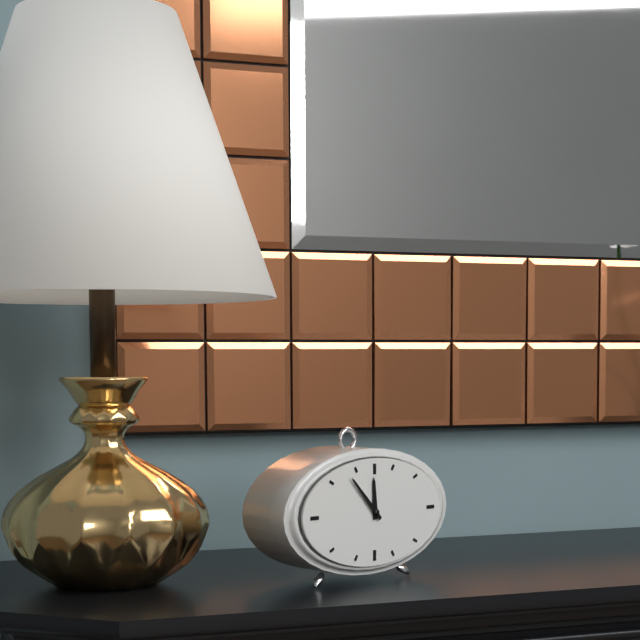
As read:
**11:53**
